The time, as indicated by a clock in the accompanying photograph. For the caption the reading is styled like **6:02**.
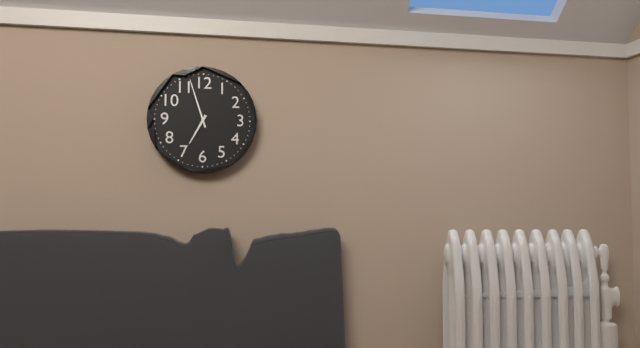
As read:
**6:57**
